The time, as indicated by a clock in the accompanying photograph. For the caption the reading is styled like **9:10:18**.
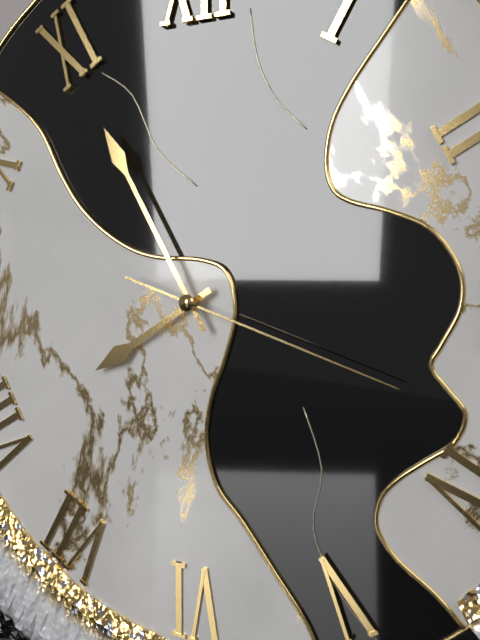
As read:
**7:55:18**
